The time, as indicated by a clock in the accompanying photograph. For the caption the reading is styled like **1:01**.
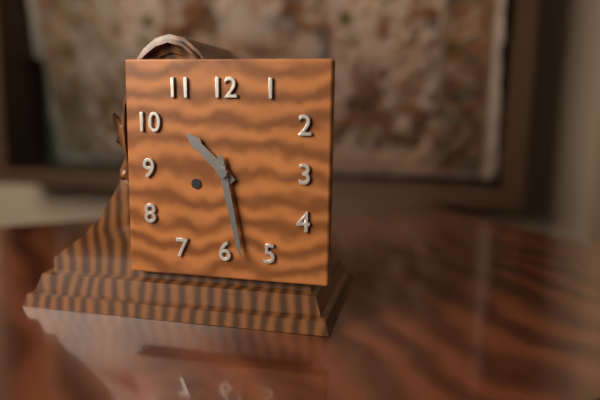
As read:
**10:28**
